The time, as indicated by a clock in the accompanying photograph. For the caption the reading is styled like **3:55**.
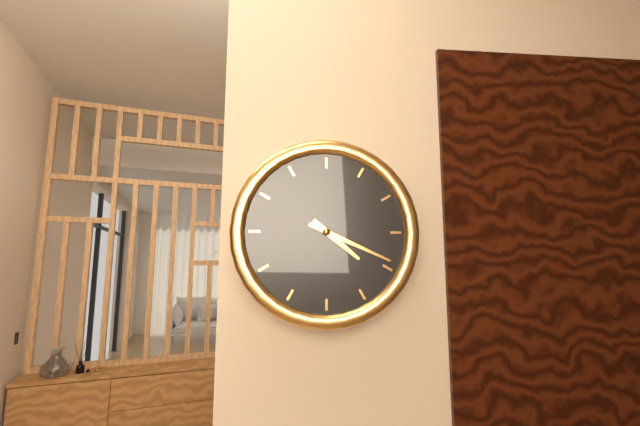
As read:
**4:19**
